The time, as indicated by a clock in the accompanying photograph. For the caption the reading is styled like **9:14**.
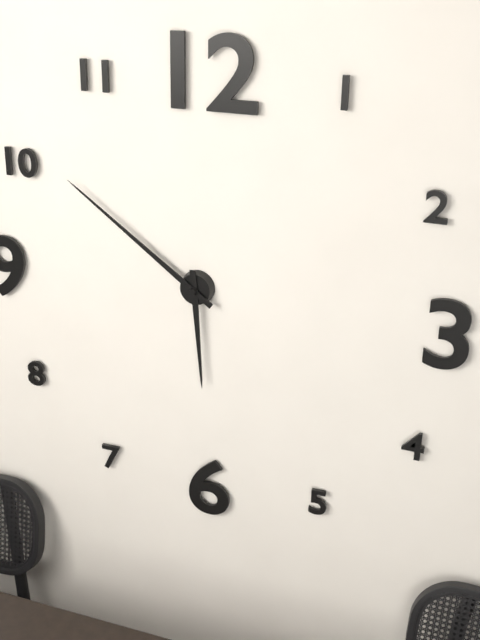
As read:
**5:51**
